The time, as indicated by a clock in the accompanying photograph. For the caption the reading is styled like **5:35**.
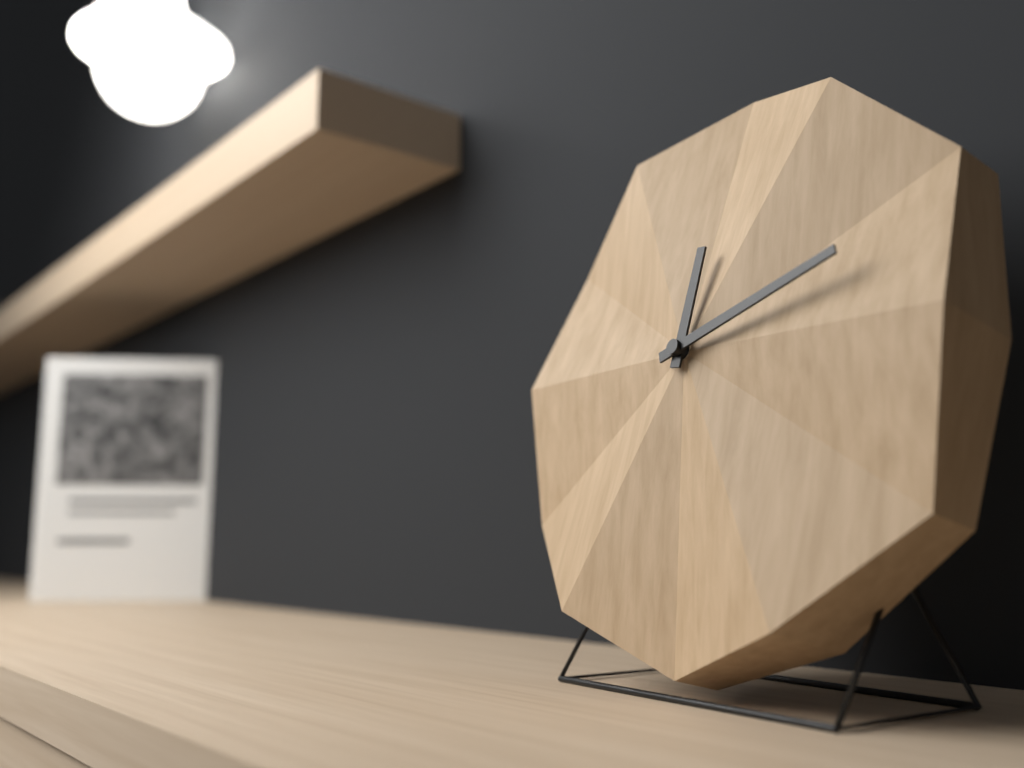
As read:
**12:12**
